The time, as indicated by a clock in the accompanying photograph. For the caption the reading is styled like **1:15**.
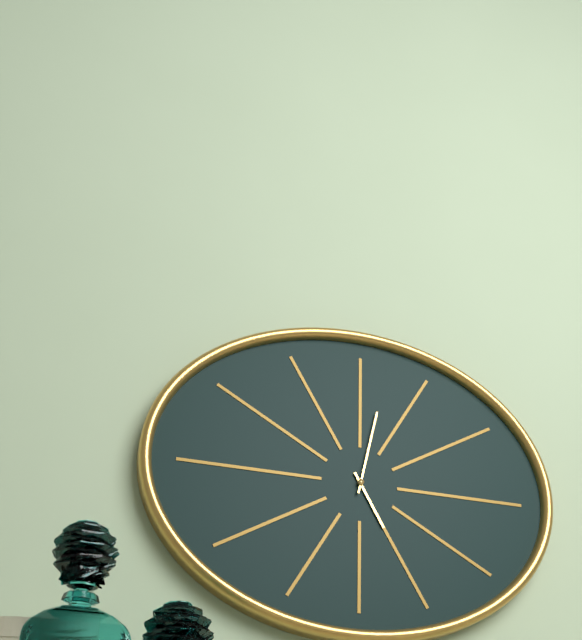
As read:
**5:02**
